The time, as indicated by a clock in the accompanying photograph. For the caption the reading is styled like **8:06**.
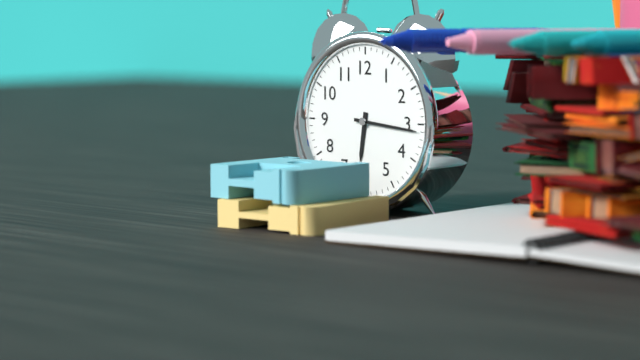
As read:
**6:16**
